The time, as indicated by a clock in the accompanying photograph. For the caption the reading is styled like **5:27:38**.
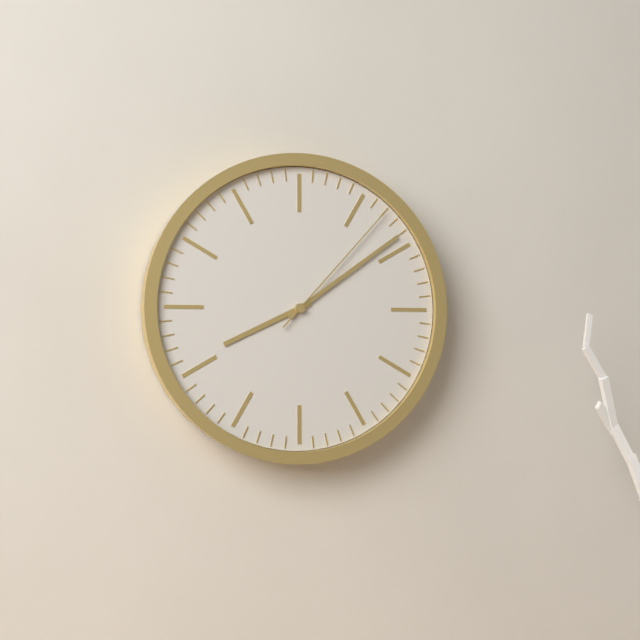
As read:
**8:09:07**
